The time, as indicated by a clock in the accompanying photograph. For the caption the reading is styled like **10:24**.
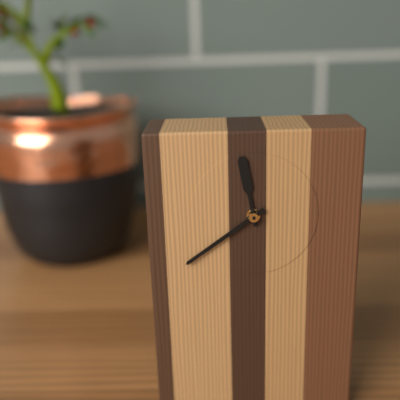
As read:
**11:39**
